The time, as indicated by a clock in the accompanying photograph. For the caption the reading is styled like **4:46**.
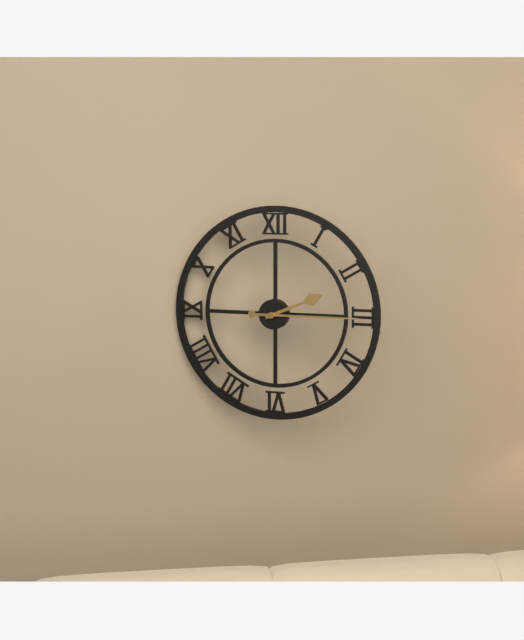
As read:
**2:15**
